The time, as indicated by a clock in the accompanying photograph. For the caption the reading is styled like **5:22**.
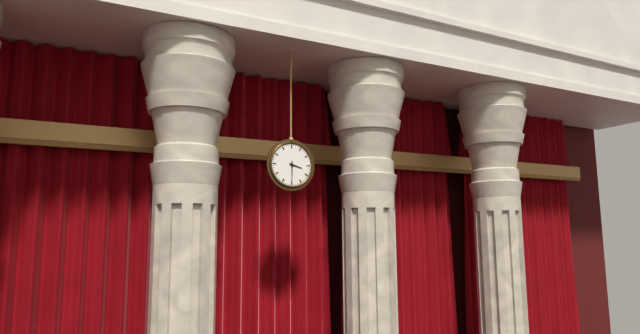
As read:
**3:30**
